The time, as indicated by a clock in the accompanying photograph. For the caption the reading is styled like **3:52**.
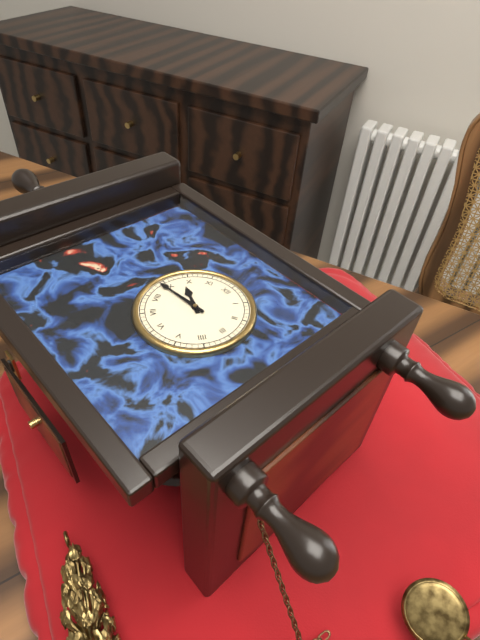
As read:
**9:44**
